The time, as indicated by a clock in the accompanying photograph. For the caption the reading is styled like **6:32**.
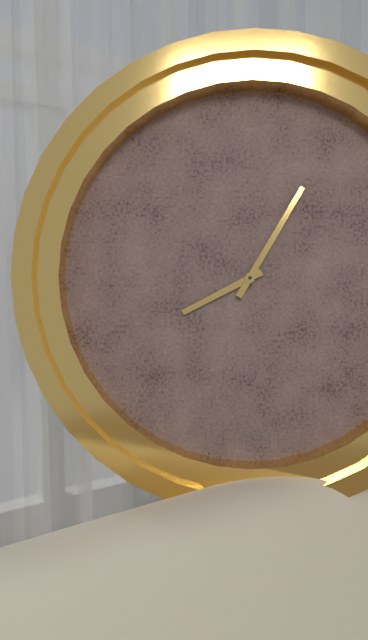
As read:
**8:05**
